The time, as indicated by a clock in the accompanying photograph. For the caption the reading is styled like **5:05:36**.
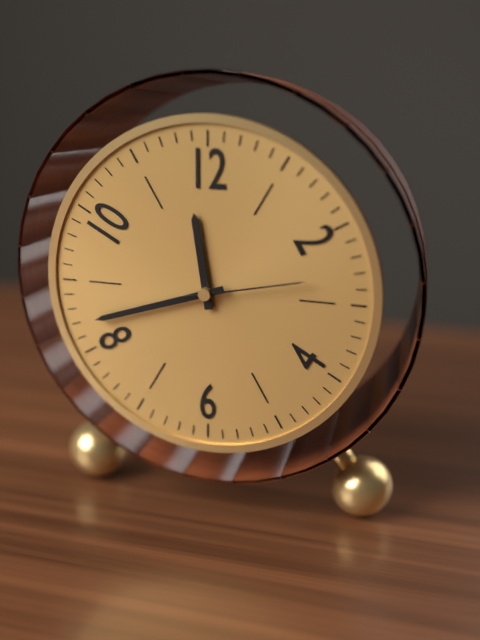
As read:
**11:42:13**
